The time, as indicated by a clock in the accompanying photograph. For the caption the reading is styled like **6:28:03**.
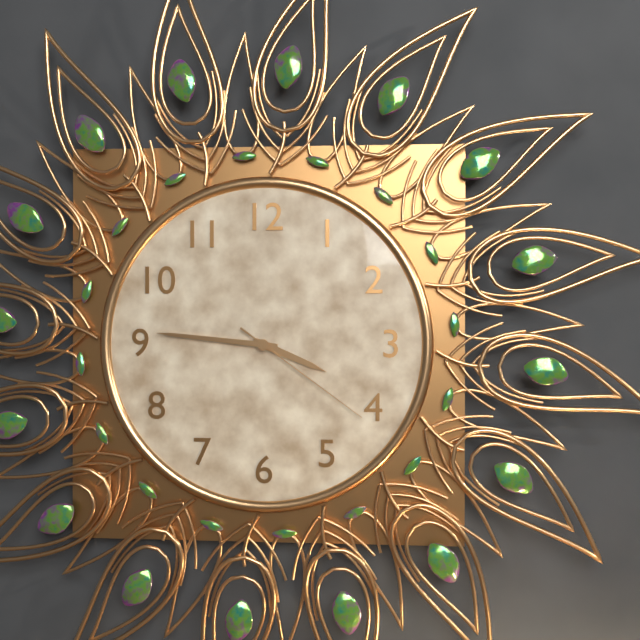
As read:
**3:46:21**
